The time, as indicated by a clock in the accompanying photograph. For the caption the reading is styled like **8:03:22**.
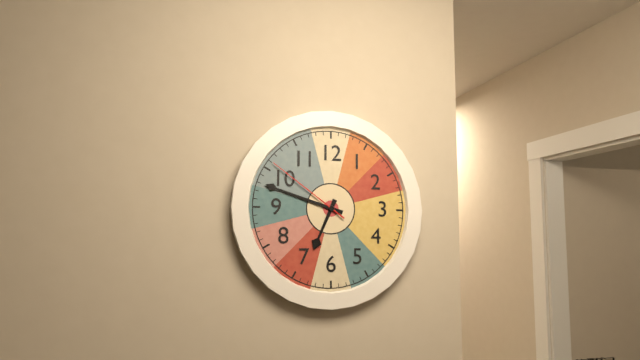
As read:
**6:48:51**
